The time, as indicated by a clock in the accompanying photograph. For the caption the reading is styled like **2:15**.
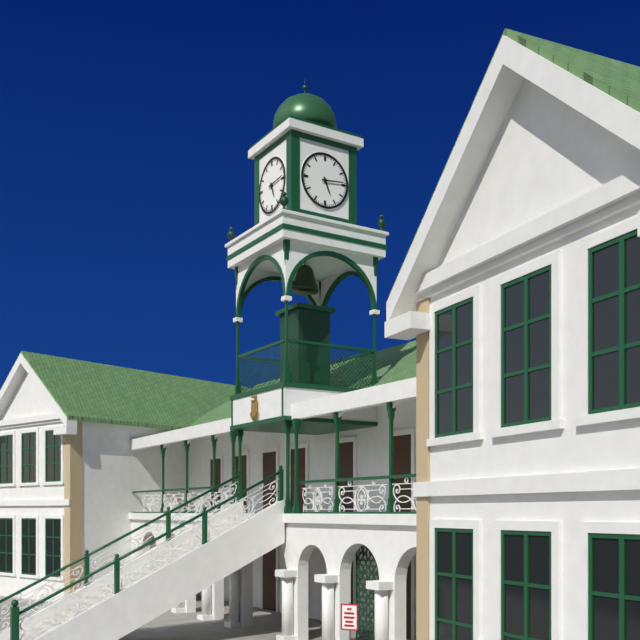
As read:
**5:14**
